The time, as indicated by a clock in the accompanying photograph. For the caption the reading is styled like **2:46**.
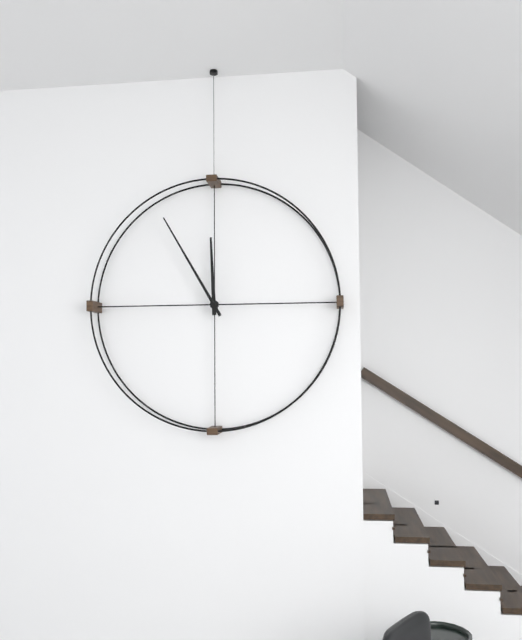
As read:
**11:55**
